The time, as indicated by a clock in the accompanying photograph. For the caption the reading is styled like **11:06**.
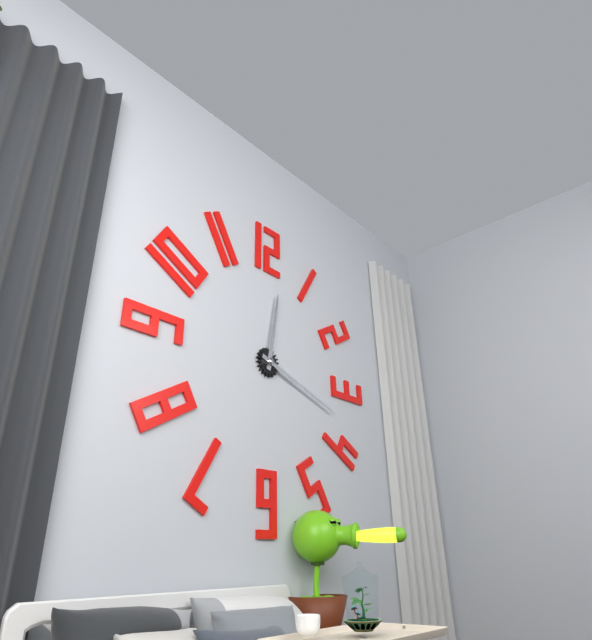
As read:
**12:18**
